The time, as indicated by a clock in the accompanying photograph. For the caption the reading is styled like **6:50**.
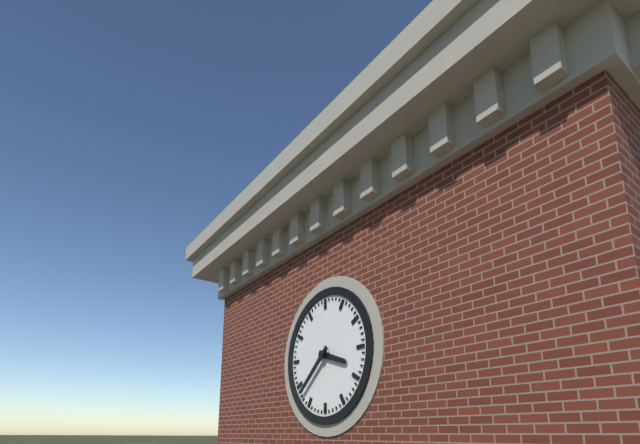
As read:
**3:38**
